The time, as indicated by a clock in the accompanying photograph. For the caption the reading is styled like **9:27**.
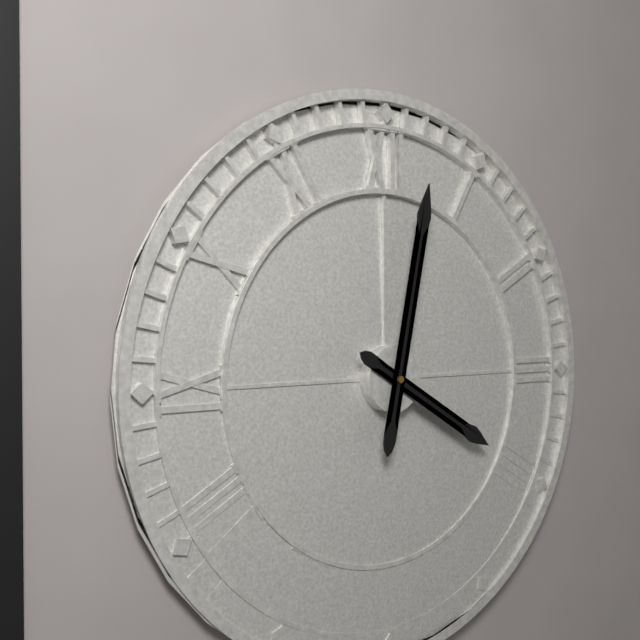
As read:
**4:02**
